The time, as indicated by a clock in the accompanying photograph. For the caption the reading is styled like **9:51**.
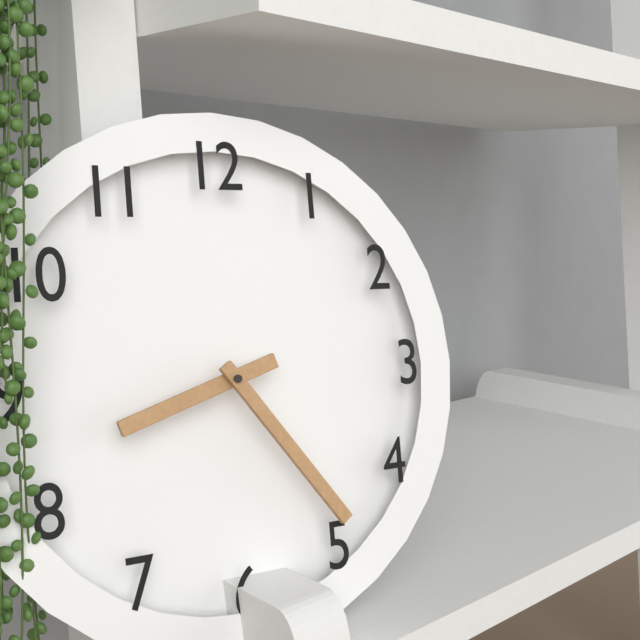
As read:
**8:24**
